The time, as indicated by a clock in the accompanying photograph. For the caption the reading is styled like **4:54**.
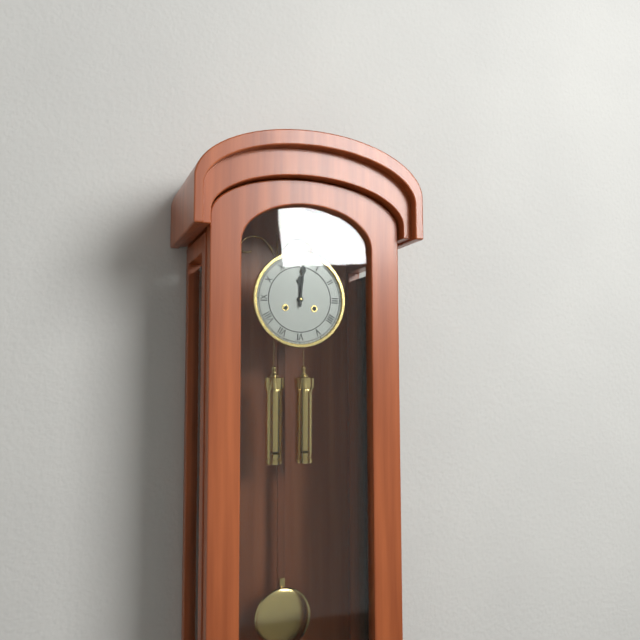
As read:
**12:01**
